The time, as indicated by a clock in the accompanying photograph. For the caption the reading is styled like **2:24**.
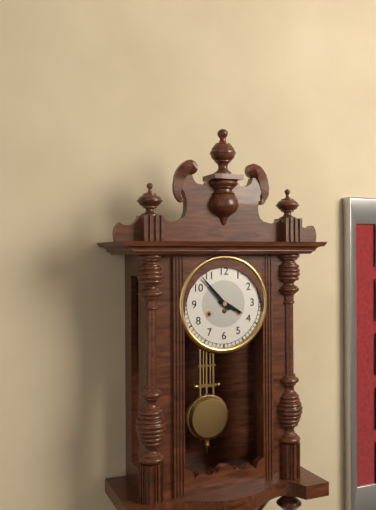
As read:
**3:53**
